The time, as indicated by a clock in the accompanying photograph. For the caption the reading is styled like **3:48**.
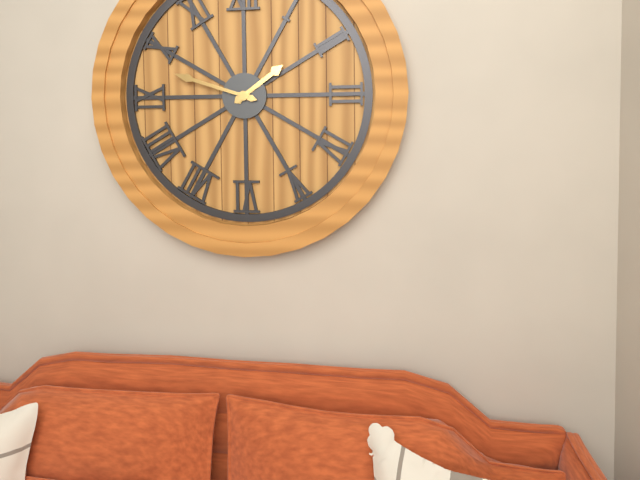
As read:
**1:48**
